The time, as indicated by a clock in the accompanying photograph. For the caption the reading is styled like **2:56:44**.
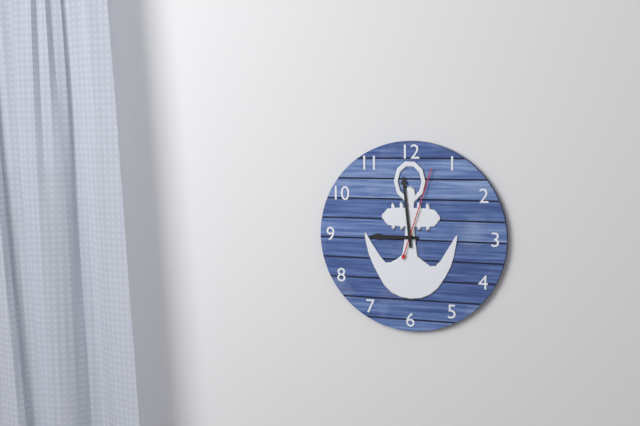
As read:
**8:59:03**
